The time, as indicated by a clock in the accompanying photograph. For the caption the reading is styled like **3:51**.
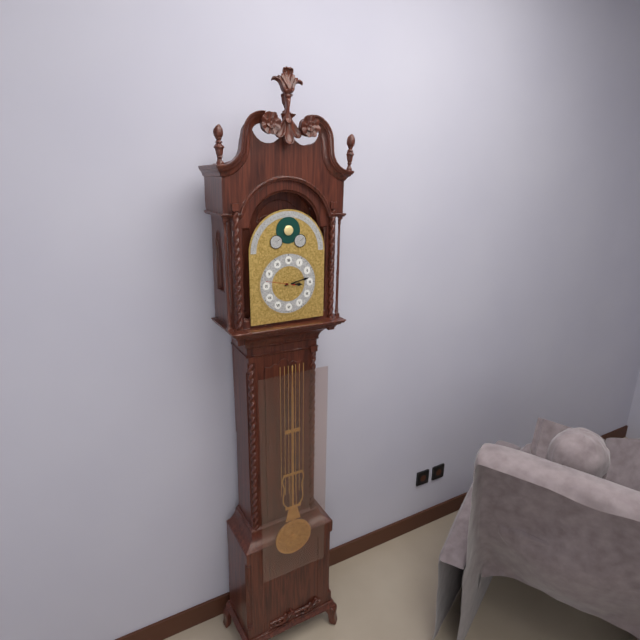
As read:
**3:13**
